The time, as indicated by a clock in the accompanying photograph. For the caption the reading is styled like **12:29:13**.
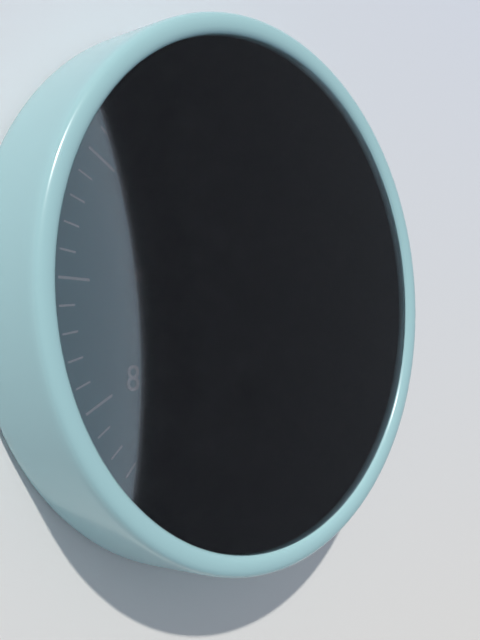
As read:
**9:06:31**
